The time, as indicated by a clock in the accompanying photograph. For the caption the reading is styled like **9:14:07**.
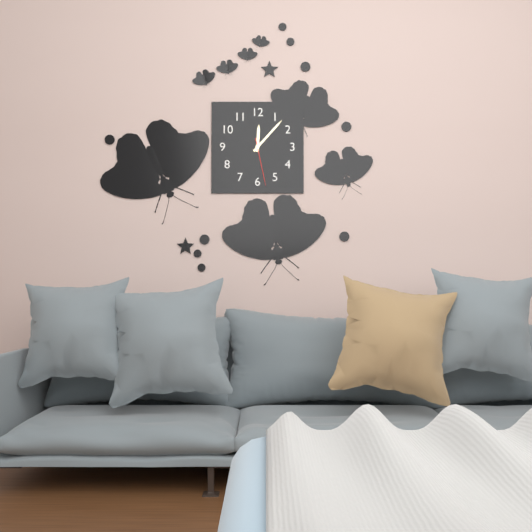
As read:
**12:07:28**
